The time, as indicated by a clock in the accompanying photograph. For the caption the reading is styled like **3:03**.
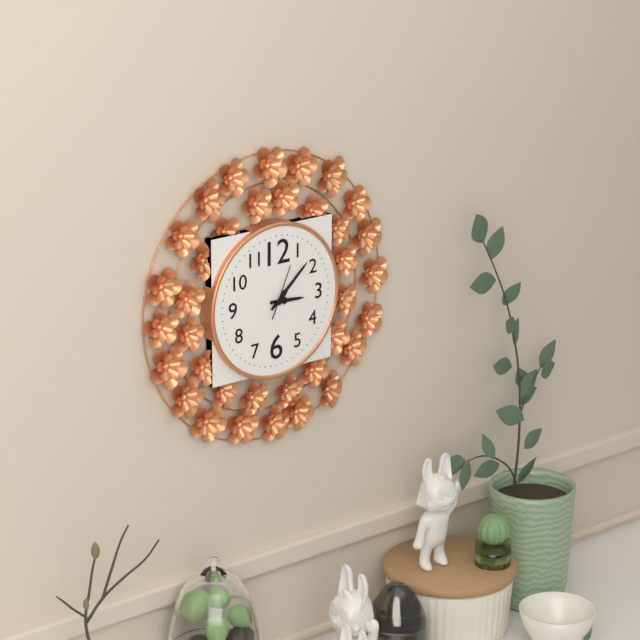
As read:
**3:08**
